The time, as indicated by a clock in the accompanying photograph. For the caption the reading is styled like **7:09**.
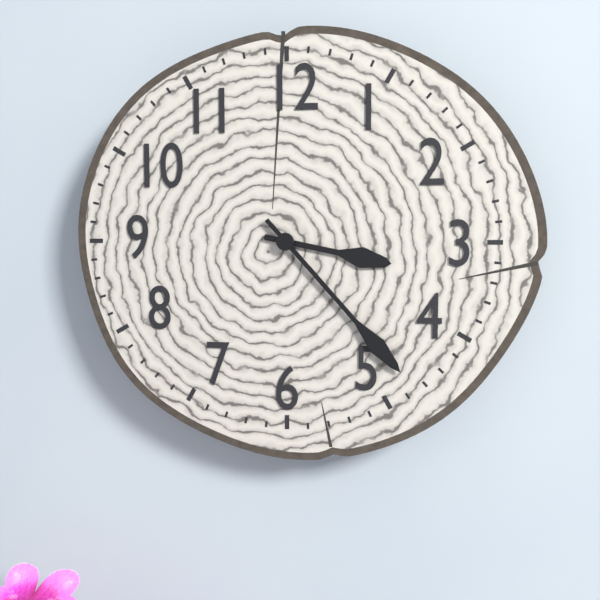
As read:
**3:23**
